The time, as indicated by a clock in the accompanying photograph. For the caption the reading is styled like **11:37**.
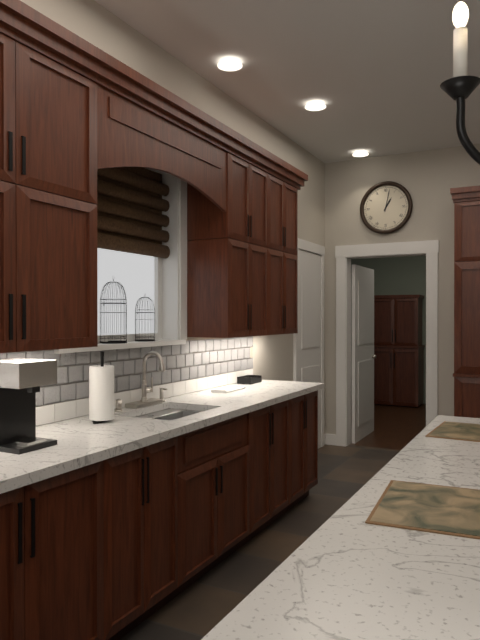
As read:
**1:02**
